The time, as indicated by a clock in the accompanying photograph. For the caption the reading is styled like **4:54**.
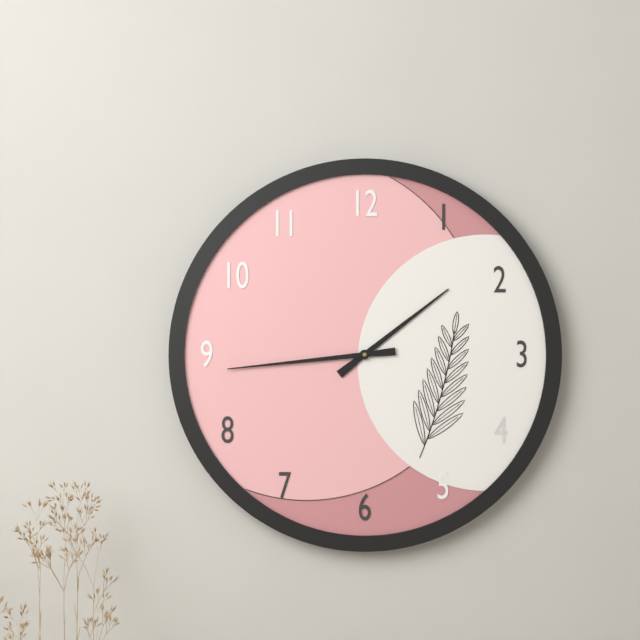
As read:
**1:44**
